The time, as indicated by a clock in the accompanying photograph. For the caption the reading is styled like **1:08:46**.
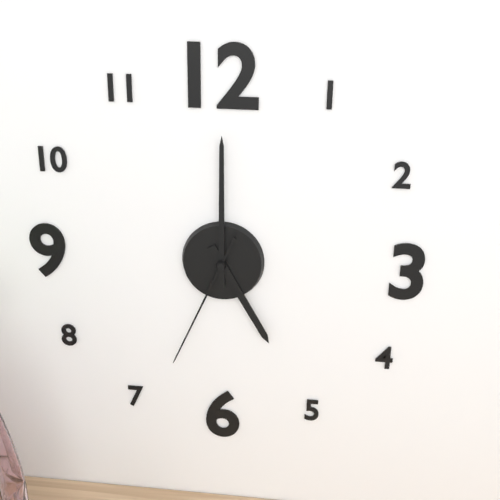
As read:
**5:00:34**
